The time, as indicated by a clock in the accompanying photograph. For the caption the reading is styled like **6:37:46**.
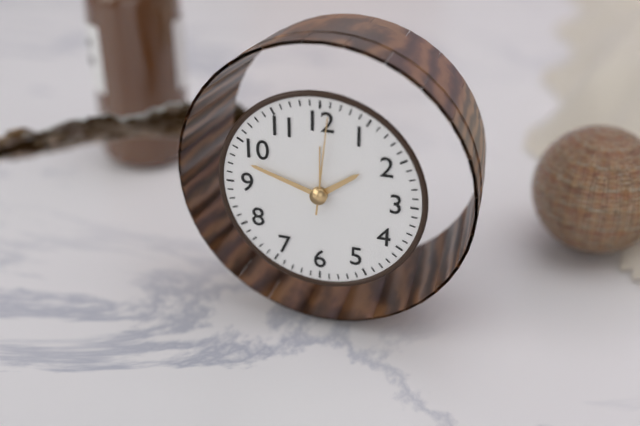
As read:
**1:48:01**
